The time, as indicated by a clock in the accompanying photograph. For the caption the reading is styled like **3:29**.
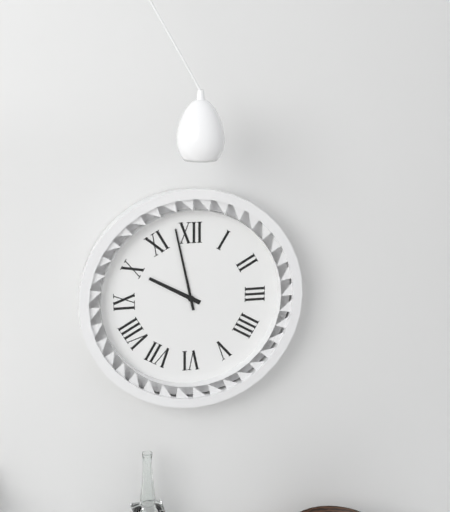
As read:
**9:58**
